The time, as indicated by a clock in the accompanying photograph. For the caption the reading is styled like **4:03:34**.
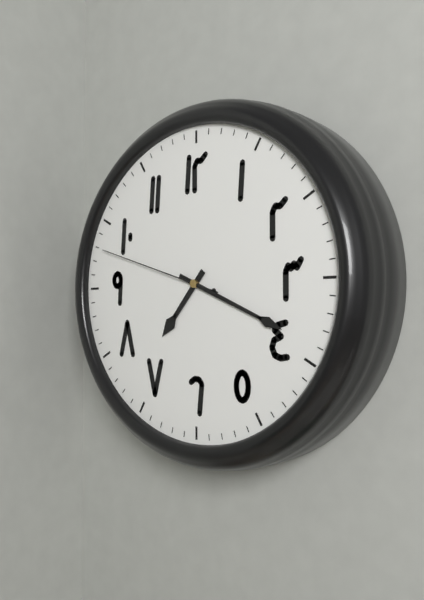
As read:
**7:19:48**
